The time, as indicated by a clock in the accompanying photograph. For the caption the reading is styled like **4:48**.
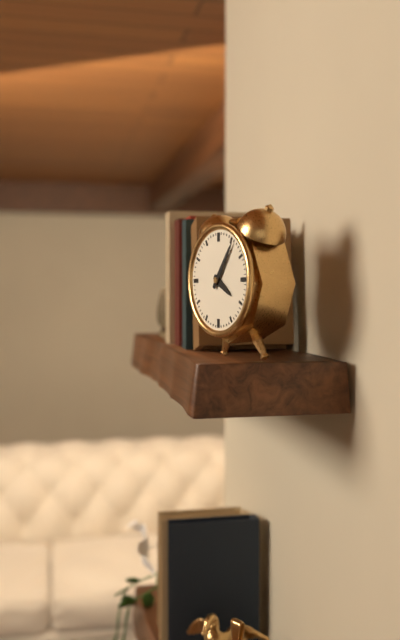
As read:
**4:06**
